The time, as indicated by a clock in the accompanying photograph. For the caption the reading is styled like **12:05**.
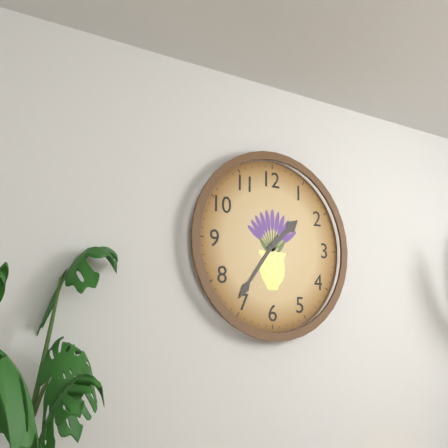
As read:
**1:36**
